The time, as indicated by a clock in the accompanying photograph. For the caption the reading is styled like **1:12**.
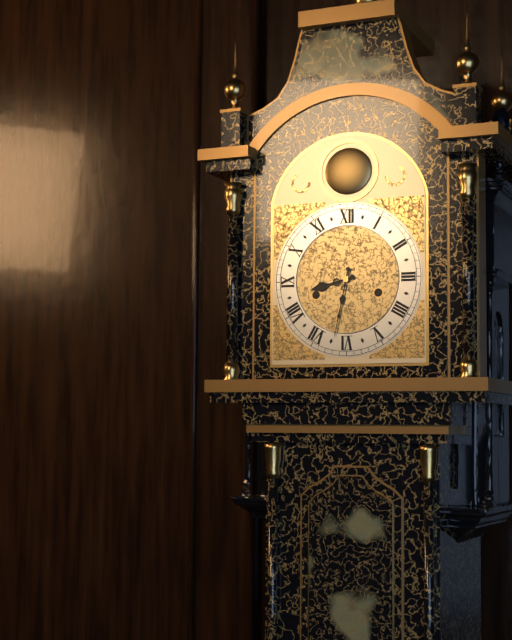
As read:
**8:32**
